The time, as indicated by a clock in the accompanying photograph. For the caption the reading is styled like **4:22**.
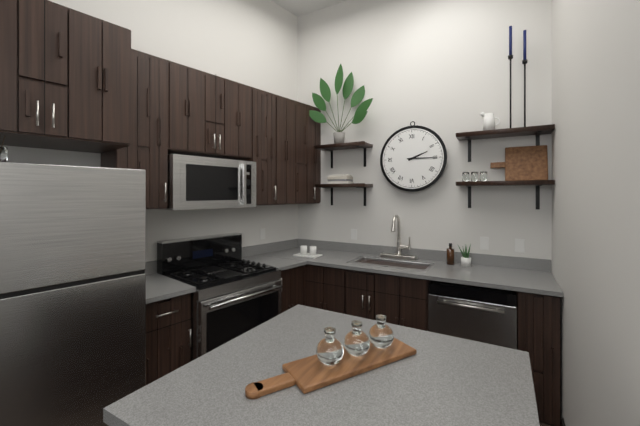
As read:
**2:15**
